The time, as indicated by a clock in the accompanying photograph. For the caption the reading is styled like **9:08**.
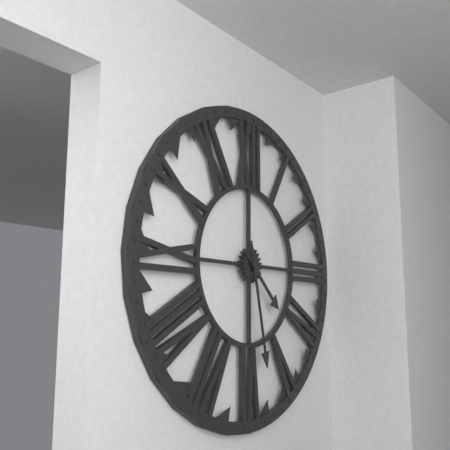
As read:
**4:28**
